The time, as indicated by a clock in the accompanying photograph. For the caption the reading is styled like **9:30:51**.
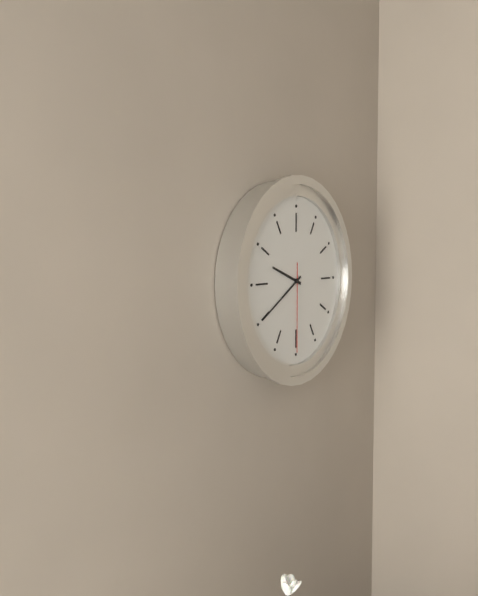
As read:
**9:40:30**
